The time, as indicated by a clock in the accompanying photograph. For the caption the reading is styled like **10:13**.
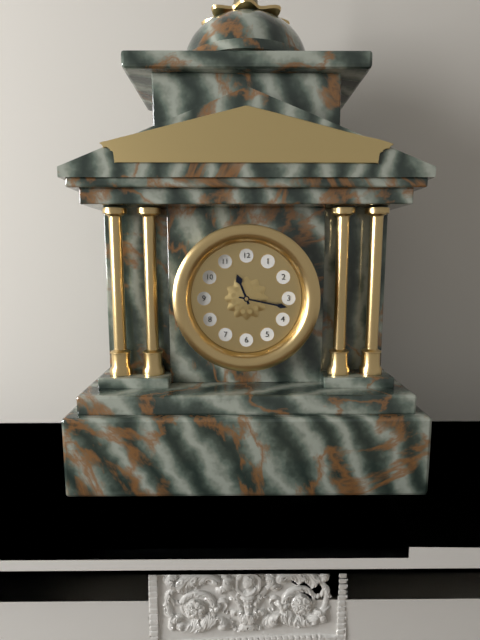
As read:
**11:17**
